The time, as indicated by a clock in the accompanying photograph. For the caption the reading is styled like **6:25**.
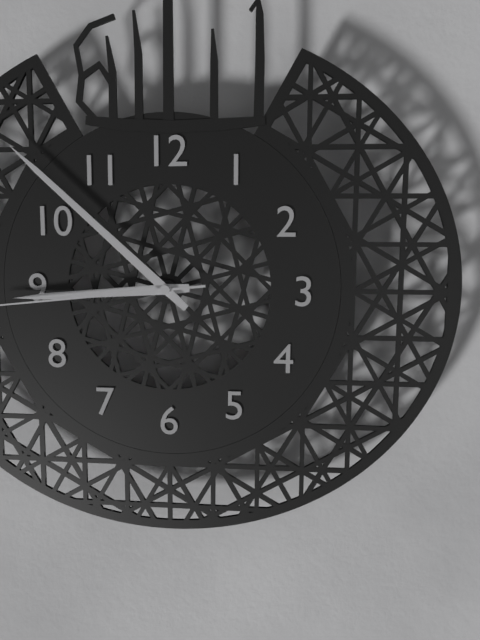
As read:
**8:52**
